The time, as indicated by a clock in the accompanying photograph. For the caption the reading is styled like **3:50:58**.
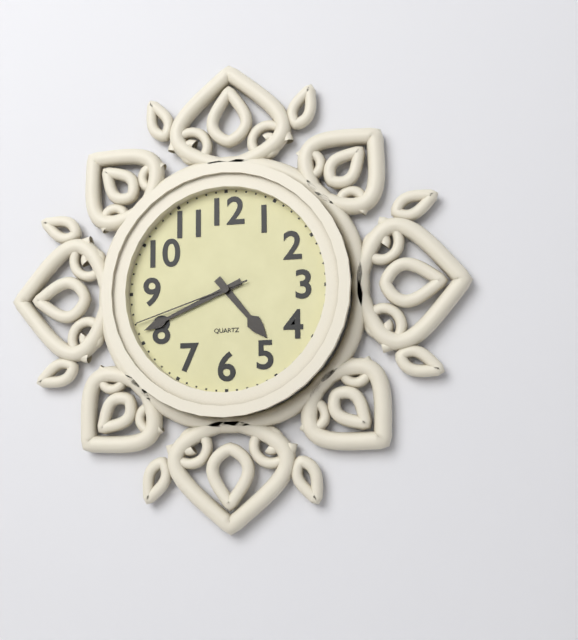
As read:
**4:41:42**
